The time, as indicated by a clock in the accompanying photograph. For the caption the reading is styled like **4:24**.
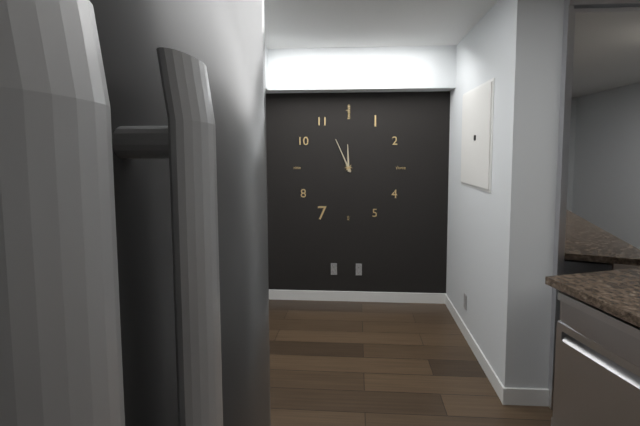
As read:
**11:56**
